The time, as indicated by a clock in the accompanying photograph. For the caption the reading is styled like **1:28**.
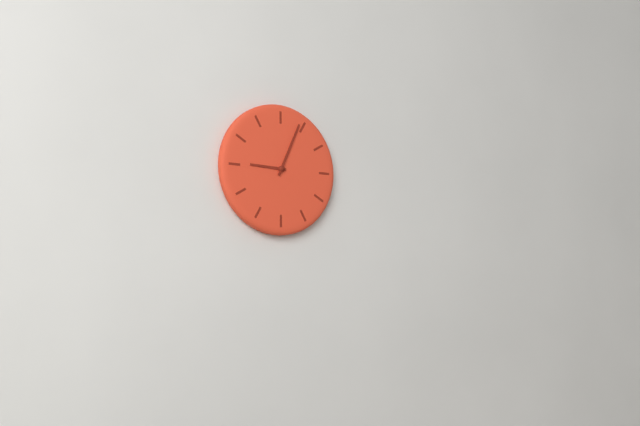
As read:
**9:04**
